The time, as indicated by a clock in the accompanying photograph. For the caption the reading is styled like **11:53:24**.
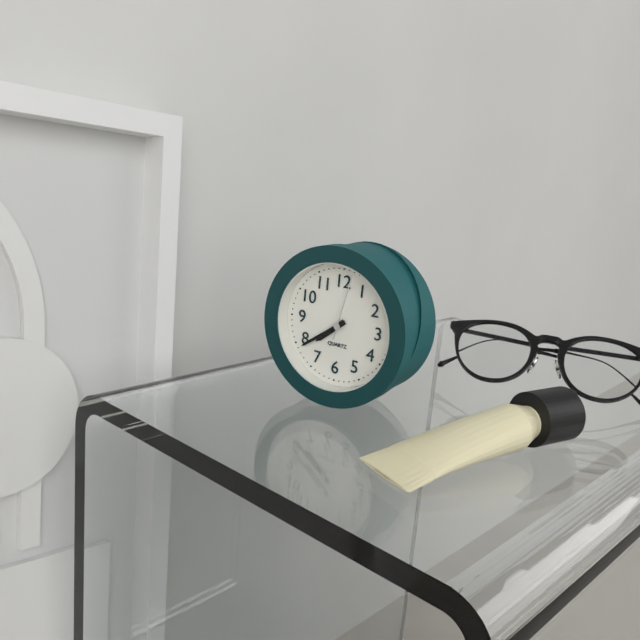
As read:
**7:39:02**
